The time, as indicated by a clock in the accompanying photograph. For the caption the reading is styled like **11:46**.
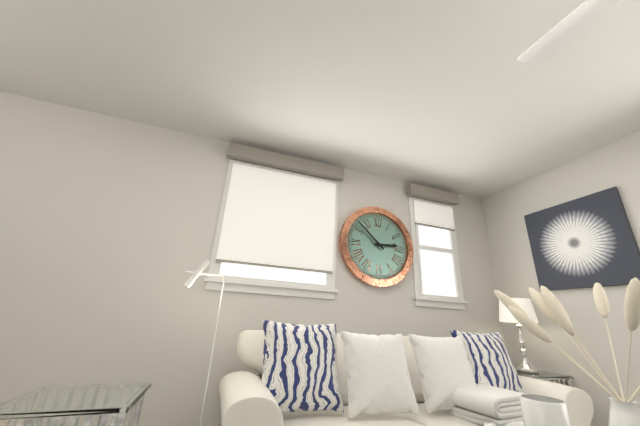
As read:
**2:52**
